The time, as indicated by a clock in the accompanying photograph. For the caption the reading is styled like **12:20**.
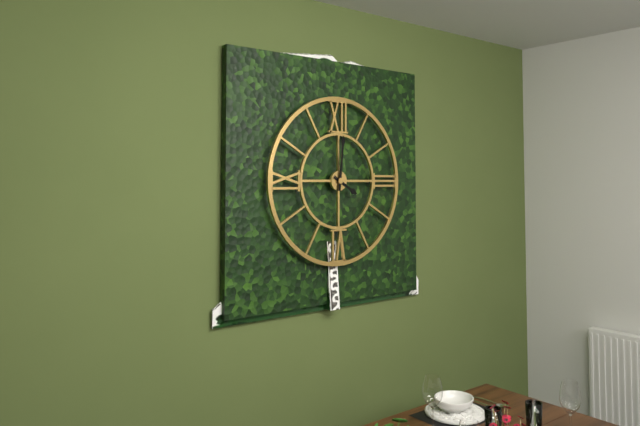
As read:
**4:01**
